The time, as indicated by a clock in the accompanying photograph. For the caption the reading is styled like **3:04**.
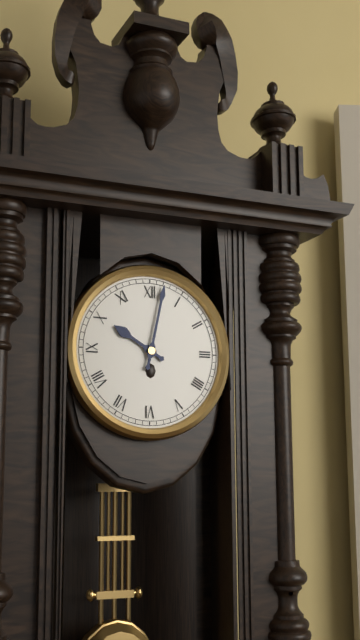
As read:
**10:02**
